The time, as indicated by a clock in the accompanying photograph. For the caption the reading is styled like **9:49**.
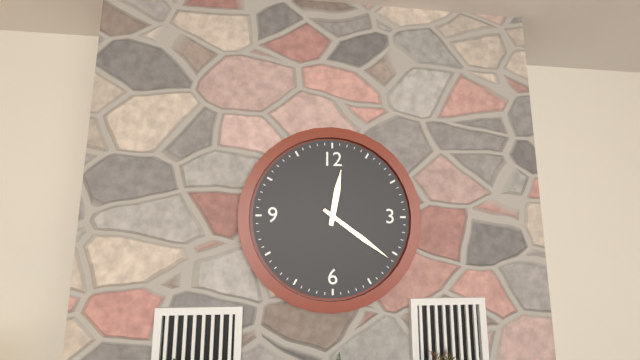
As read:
**12:21**
